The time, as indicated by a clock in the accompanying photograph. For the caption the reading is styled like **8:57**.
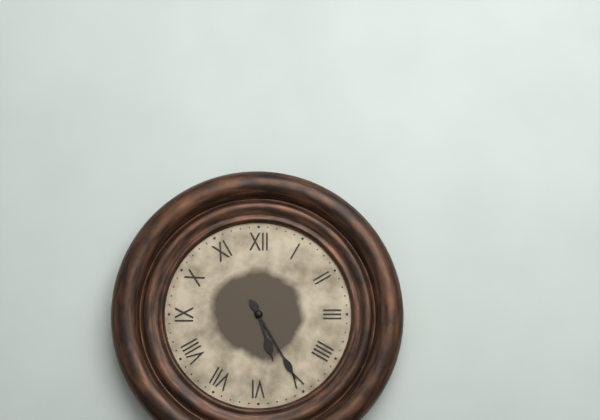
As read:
**5:25**
